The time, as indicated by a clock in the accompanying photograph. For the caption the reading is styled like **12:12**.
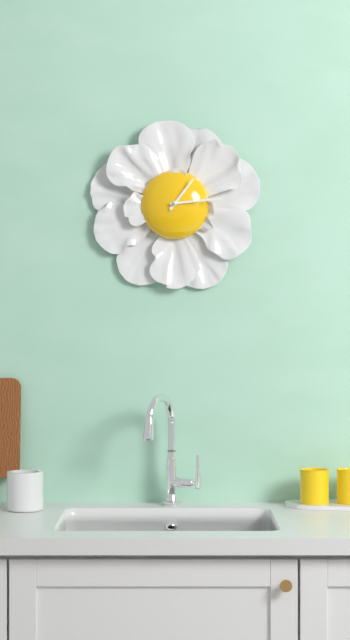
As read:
**1:14**
